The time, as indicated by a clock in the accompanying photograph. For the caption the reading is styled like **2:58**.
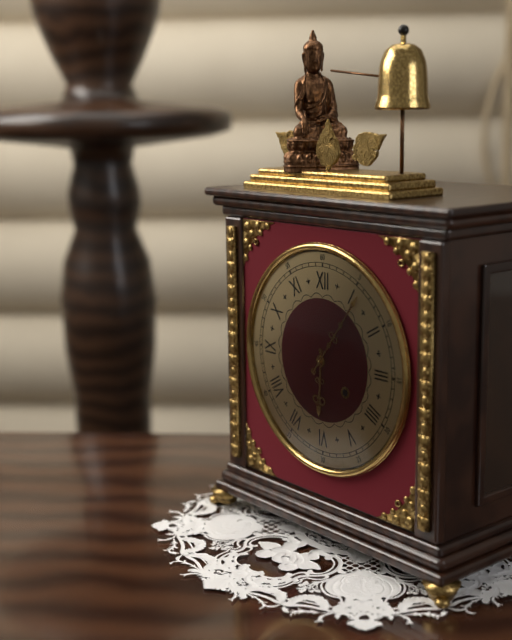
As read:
**6:06**
